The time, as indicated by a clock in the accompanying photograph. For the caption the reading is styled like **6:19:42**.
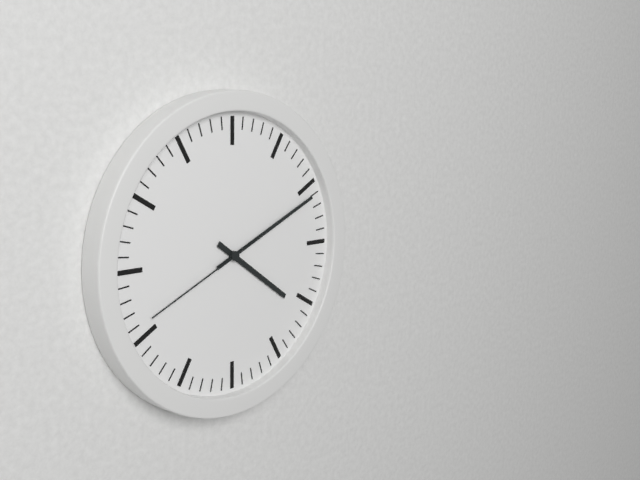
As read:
**4:11:41**
